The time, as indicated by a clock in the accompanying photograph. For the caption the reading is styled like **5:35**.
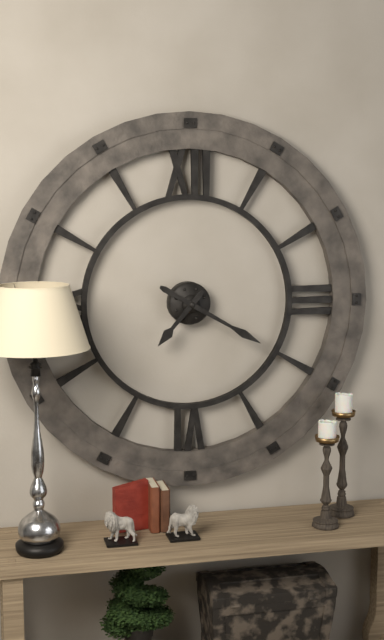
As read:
**7:20**
